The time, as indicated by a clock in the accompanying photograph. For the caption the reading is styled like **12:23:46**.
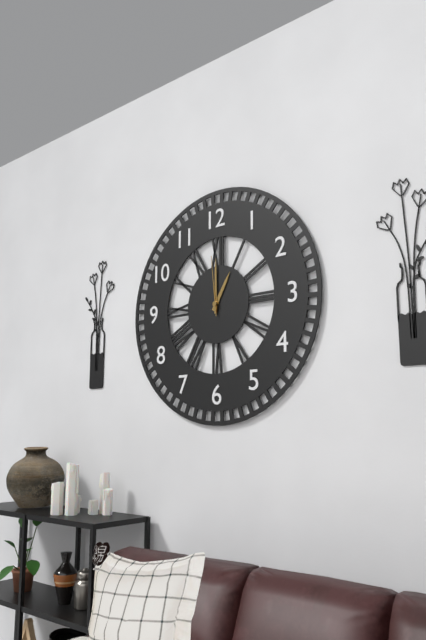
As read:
**1:00:59**
